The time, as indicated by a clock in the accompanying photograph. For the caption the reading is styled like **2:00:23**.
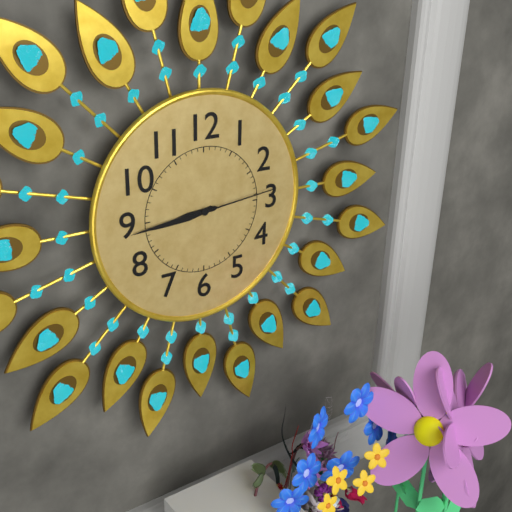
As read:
**8:44:14**
